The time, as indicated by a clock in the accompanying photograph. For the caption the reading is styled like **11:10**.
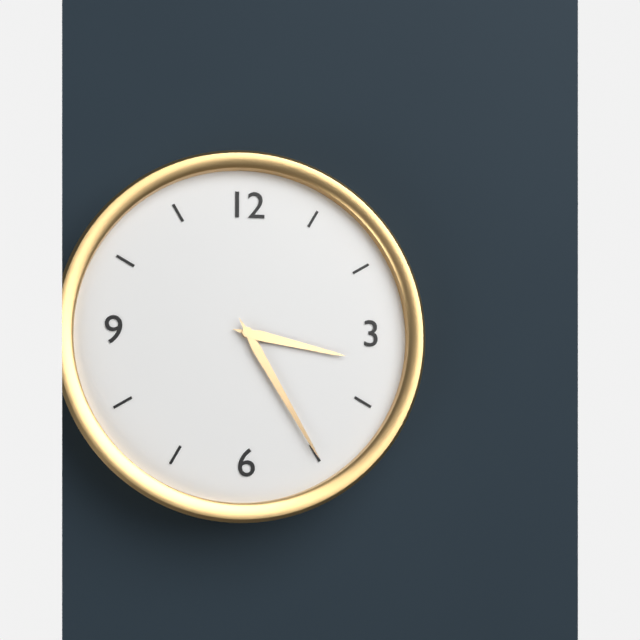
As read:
**3:25**
